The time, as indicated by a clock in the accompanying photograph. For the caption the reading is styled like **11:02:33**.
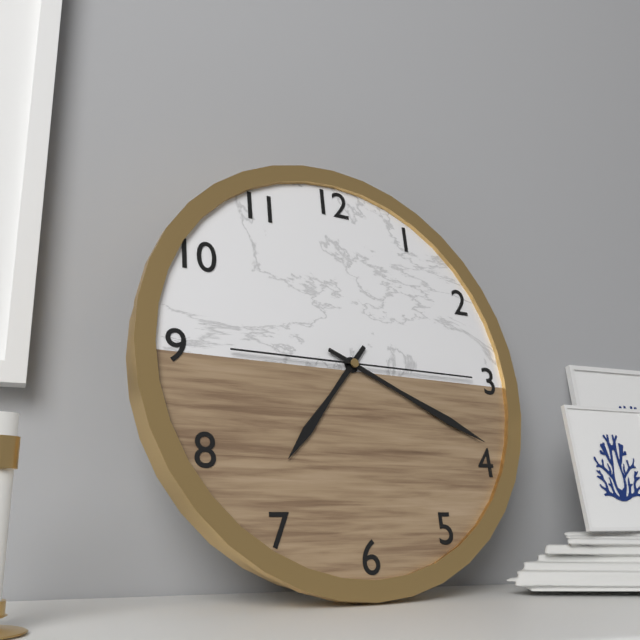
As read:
**7:19:15**
